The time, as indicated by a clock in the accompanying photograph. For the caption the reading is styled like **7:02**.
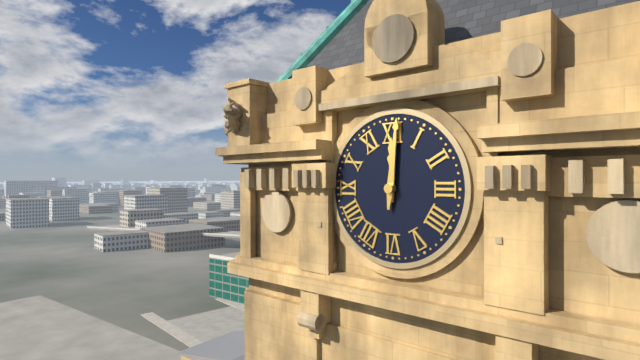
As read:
**12:01**
